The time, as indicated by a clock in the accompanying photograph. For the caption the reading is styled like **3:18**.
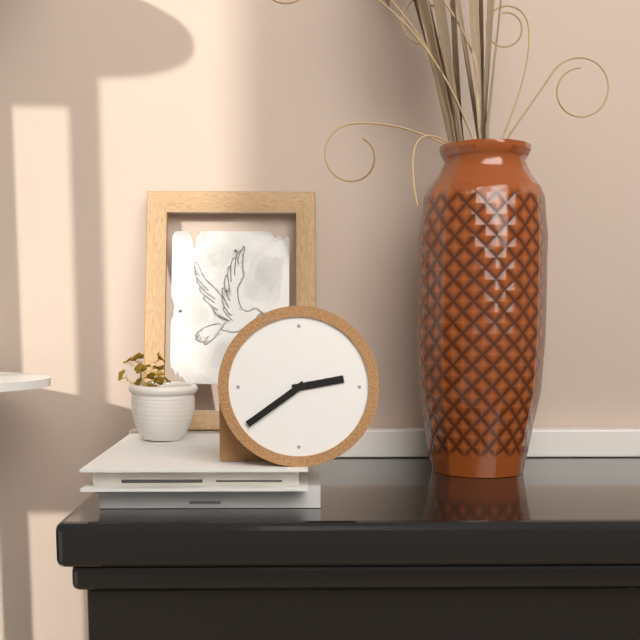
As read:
**2:39**
